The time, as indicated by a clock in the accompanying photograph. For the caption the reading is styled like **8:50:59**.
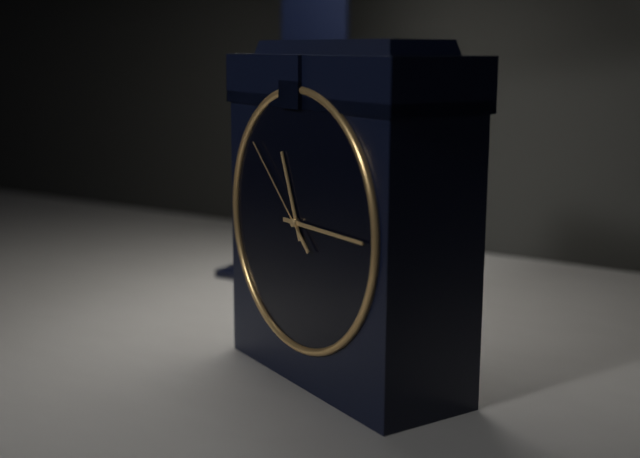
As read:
**11:15:52**
